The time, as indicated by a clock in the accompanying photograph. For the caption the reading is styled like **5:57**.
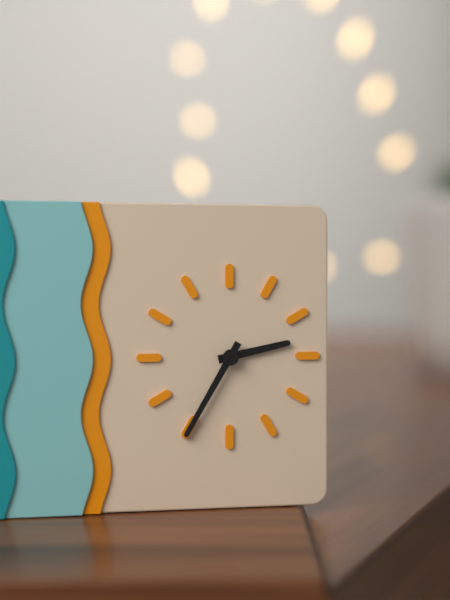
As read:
**2:35**
